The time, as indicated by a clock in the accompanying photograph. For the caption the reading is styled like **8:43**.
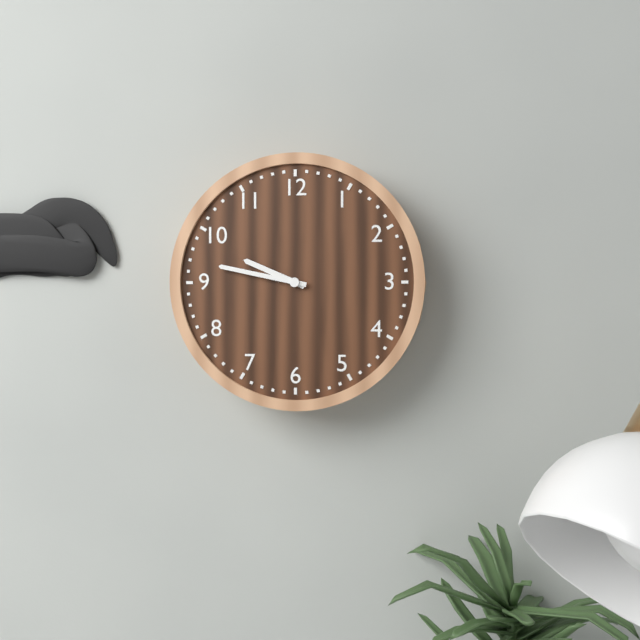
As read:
**9:47**
